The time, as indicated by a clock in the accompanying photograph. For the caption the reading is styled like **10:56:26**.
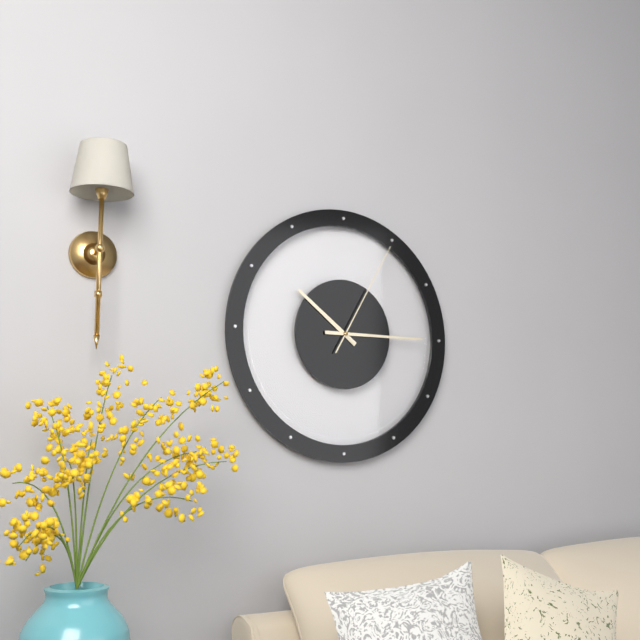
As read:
**10:15:05**
